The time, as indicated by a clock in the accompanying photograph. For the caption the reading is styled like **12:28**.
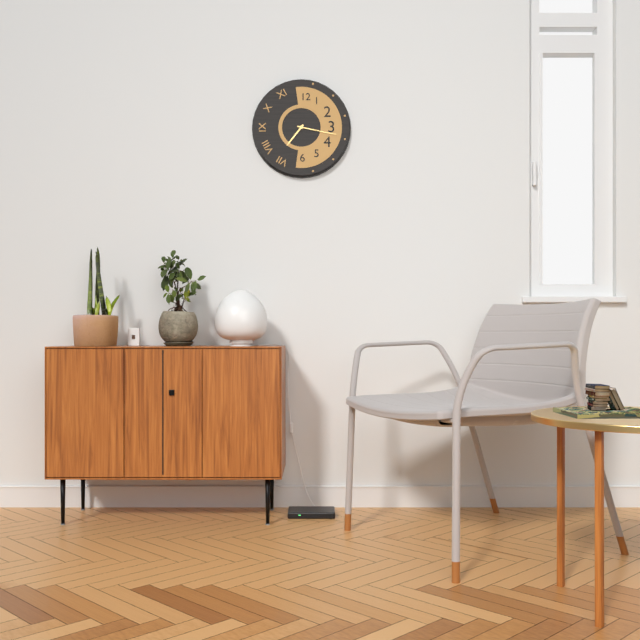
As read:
**7:17**
